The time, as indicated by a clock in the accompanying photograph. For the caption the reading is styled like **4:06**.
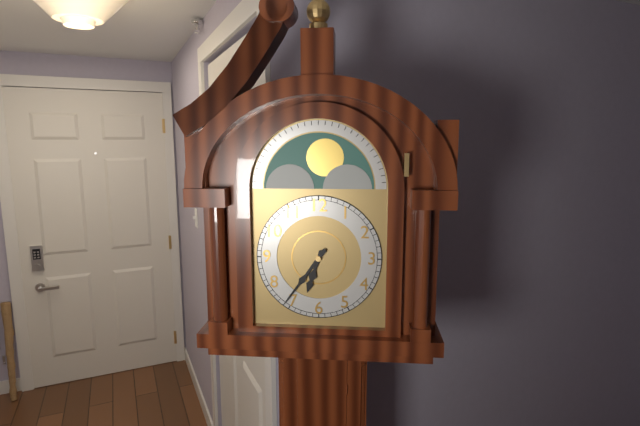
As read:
**6:36**
